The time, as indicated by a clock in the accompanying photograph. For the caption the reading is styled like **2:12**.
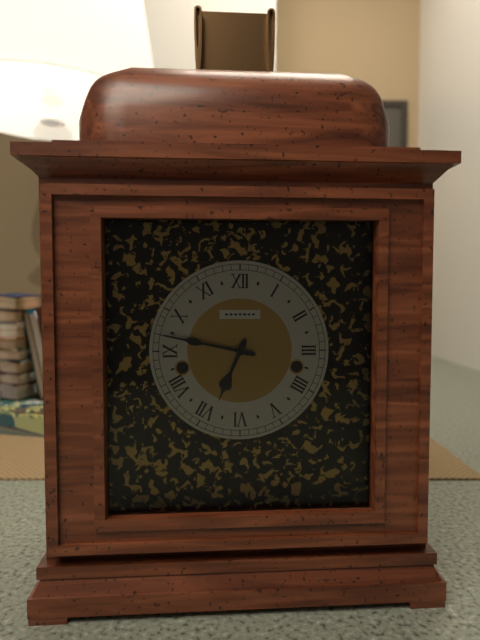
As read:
**6:47**
